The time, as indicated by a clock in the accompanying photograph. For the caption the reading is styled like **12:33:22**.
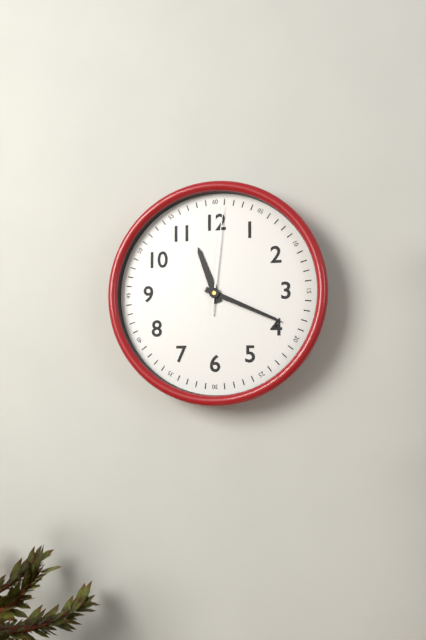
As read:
**11:19:01**
